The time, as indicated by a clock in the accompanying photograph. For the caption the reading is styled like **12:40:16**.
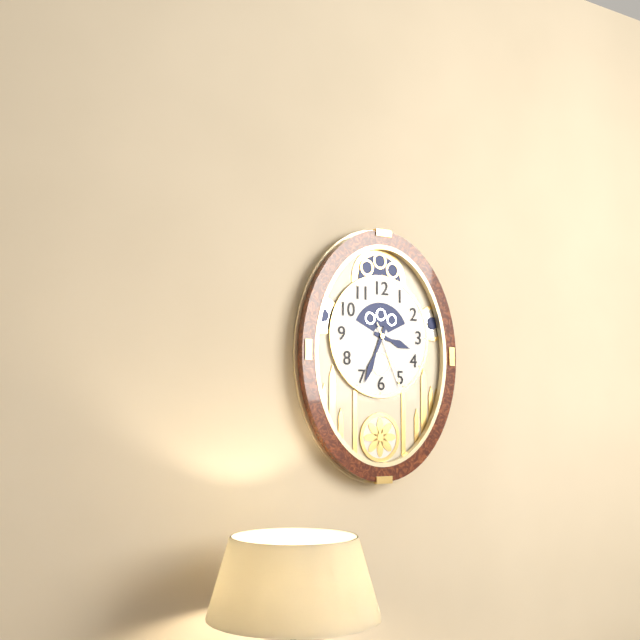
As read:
**3:34:26**
